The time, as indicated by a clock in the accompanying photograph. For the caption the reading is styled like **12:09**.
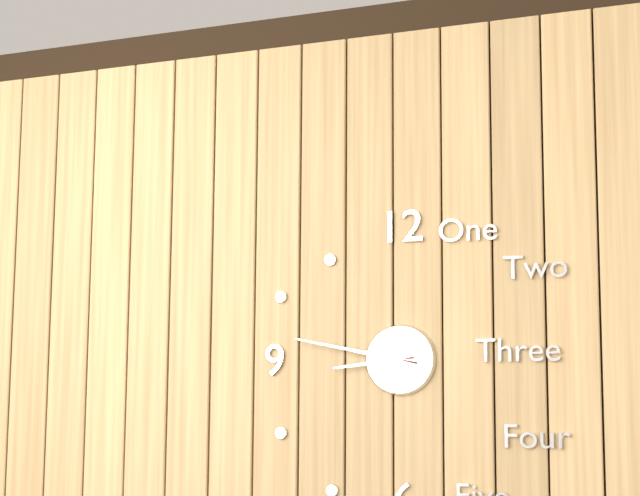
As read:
**8:47**
